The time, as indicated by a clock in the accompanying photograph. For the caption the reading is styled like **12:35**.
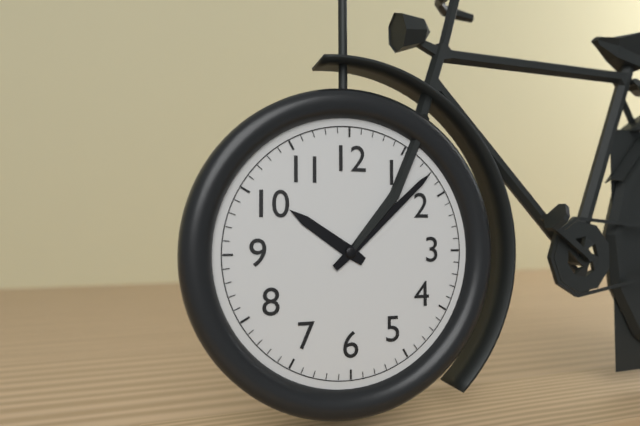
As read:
**10:08**
